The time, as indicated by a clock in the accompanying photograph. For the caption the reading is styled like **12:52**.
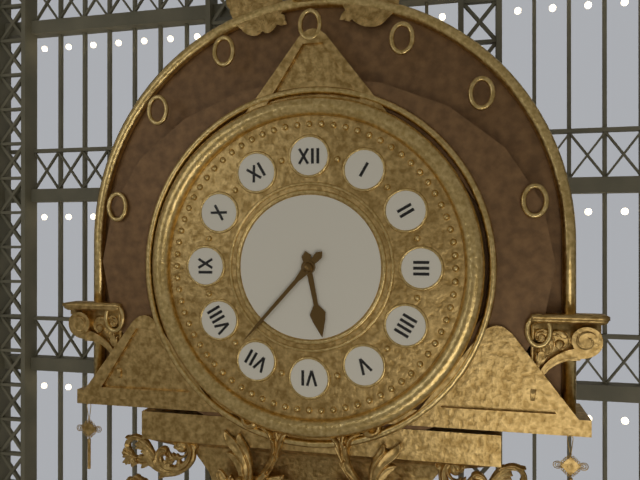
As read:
**5:37**
